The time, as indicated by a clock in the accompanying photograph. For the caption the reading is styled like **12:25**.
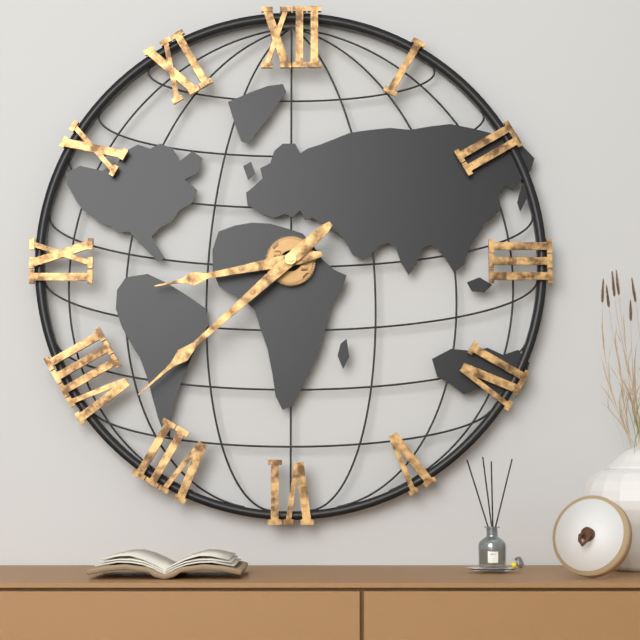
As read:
**8:38**
